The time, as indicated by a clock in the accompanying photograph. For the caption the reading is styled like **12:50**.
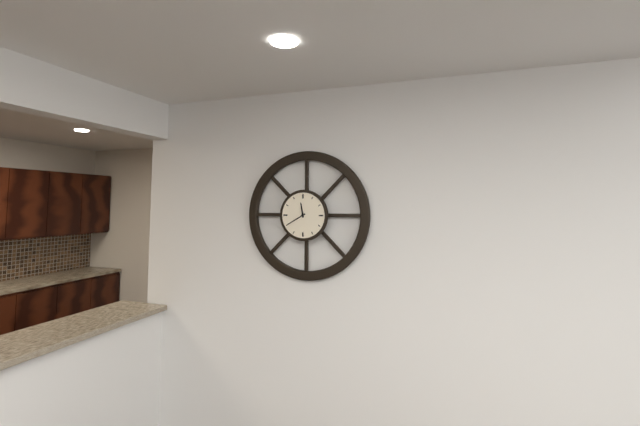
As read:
**11:40**
